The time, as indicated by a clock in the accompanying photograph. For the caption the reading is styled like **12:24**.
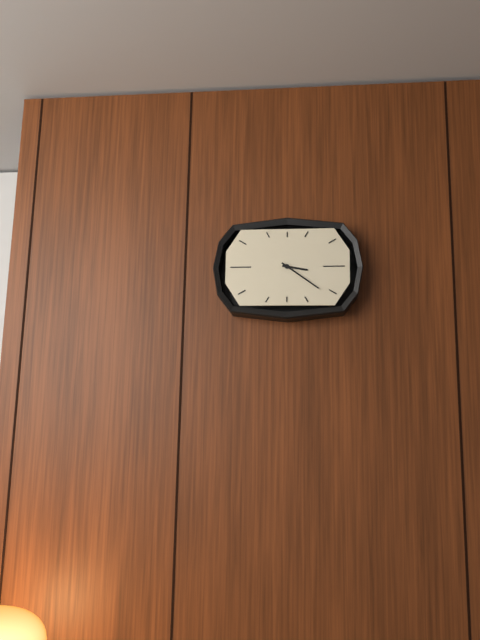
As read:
**3:21**
